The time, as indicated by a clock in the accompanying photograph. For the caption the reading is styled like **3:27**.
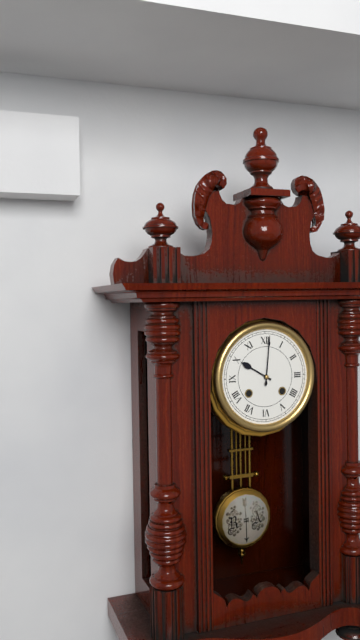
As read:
**10:01**
